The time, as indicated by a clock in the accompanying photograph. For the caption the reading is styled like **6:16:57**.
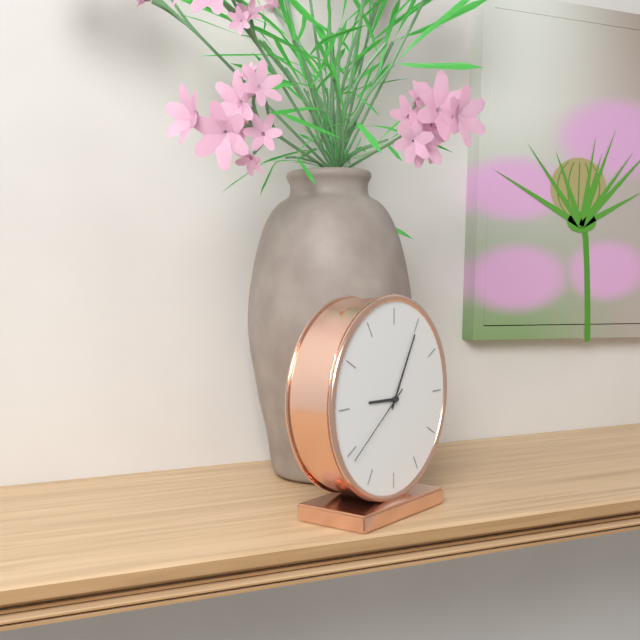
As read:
**9:05:39**
